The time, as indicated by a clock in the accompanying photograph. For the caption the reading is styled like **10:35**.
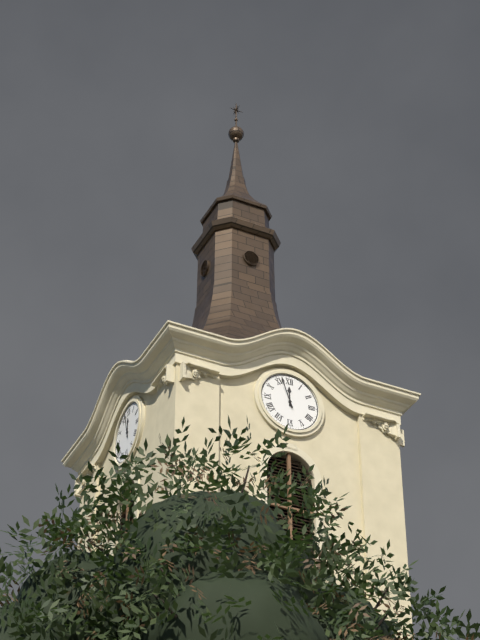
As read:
**11:57**
